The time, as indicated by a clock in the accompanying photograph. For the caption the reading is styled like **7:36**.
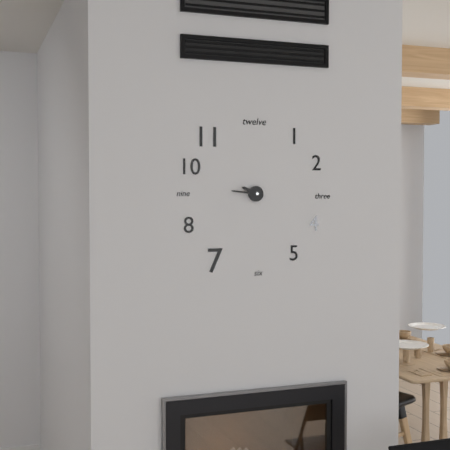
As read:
**9:46**
